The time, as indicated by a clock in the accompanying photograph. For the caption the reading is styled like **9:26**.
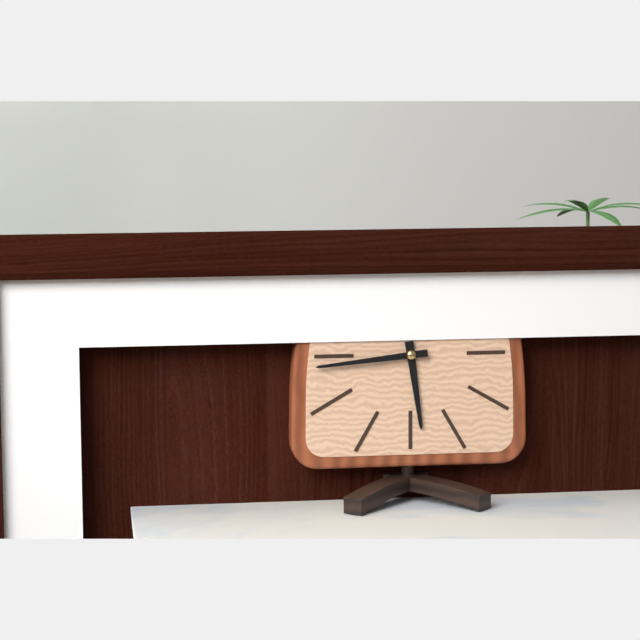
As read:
**5:44**
